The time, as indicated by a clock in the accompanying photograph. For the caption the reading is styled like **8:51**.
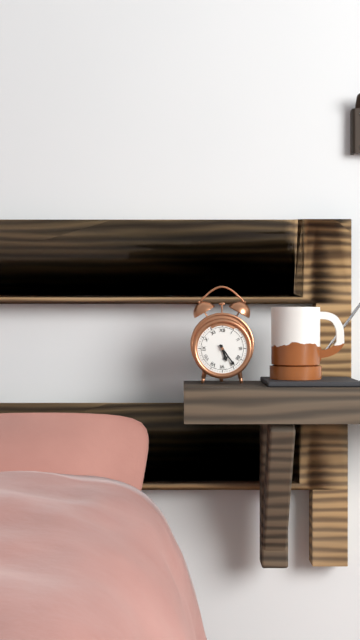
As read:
**5:24**
